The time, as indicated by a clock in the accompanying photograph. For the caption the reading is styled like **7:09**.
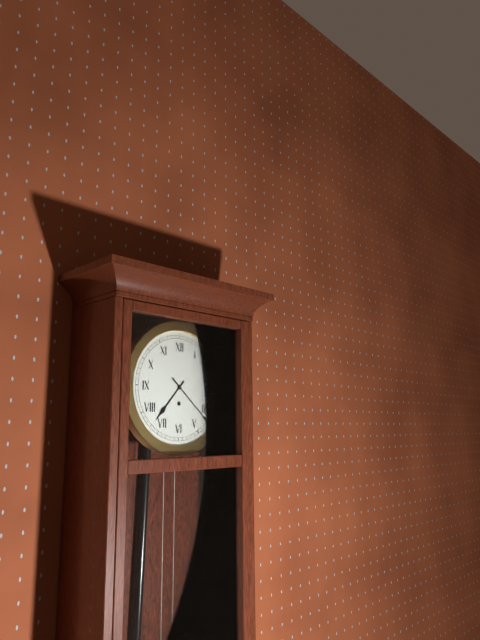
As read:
**7:22**
